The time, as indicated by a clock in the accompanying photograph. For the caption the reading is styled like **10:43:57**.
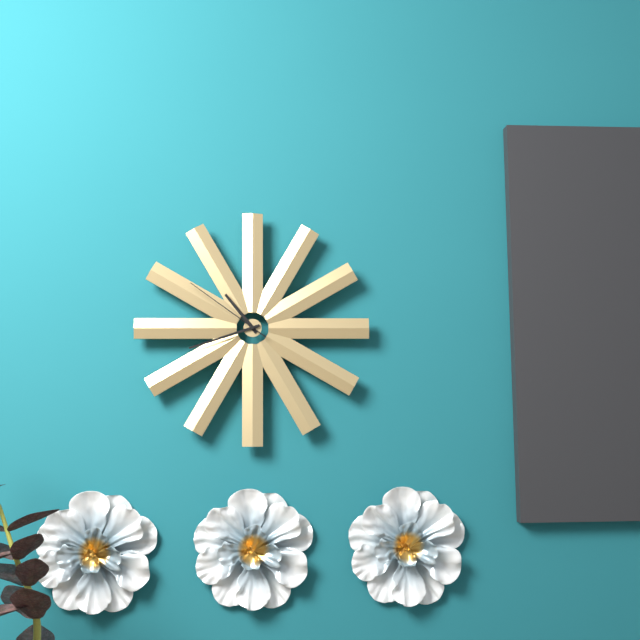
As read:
**10:42:51**
